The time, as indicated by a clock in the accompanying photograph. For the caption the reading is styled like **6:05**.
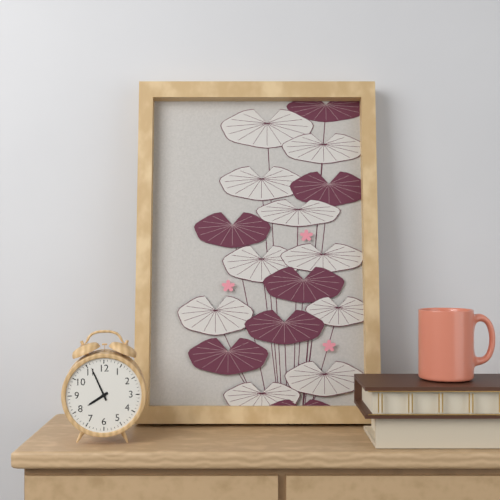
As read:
**7:56**
